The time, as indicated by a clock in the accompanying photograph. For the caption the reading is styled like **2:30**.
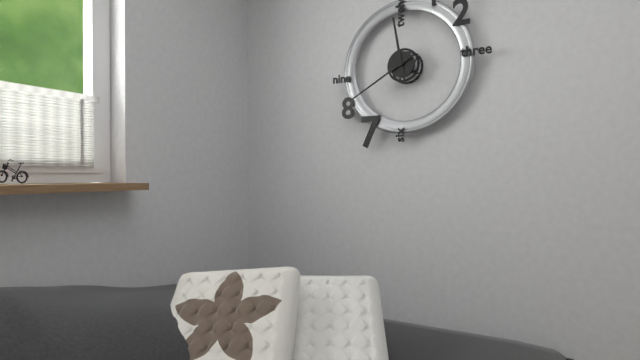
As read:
**11:40**
